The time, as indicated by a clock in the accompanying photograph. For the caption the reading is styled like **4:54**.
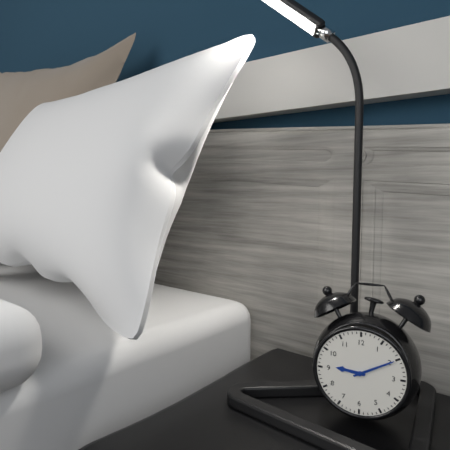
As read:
**9:10**
